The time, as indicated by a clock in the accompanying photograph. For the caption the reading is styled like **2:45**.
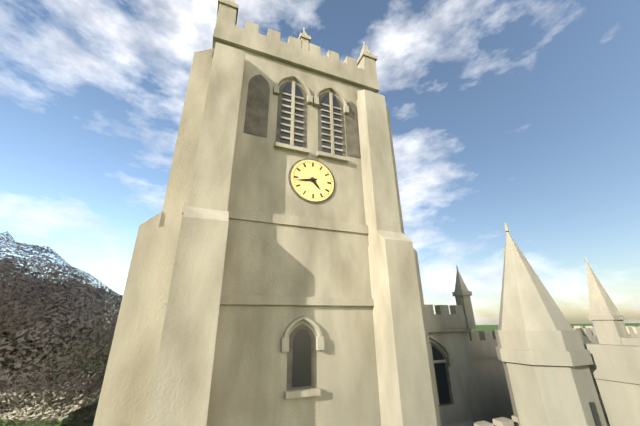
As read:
**4:43**
